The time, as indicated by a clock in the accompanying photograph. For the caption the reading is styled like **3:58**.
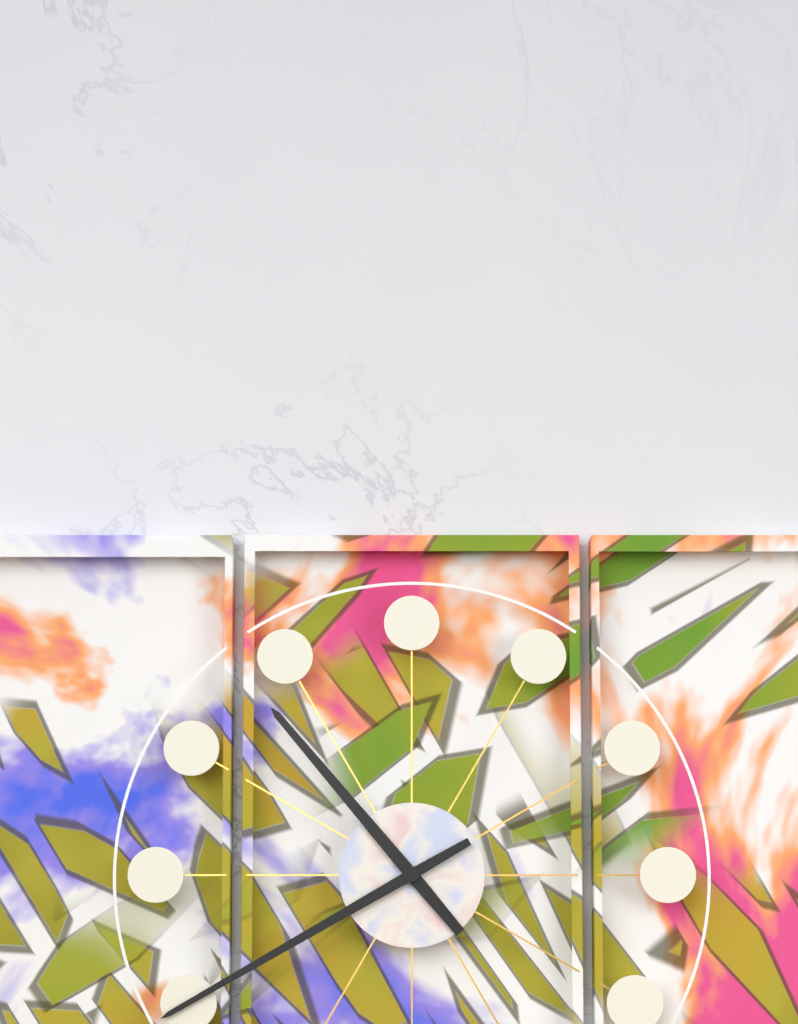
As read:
**10:40**
